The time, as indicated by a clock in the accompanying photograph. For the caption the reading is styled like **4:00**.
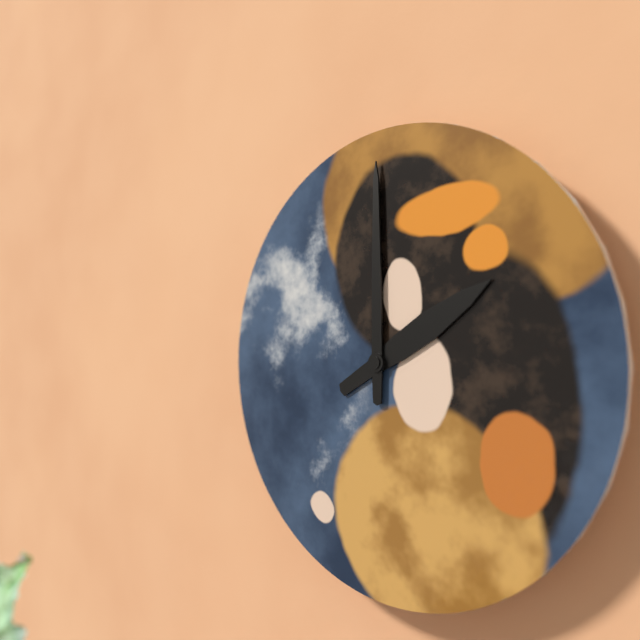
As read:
**2:00**
